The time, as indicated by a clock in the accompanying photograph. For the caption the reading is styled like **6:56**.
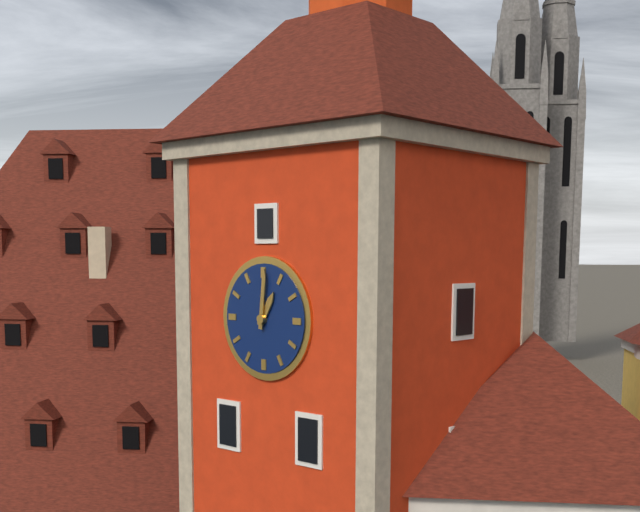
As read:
**1:01**
